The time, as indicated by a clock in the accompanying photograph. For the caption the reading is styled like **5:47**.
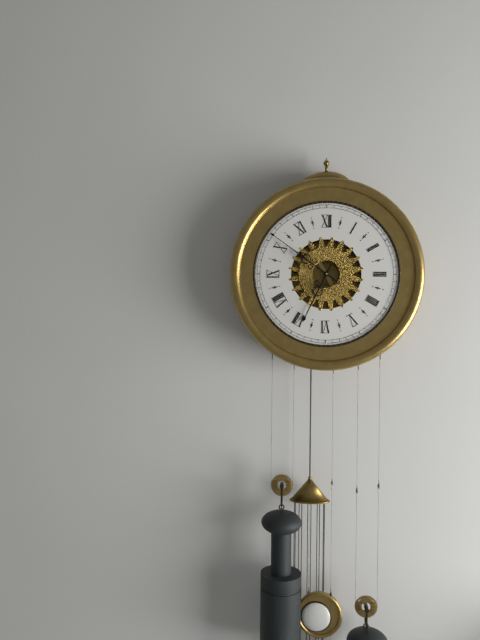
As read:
**6:51**
